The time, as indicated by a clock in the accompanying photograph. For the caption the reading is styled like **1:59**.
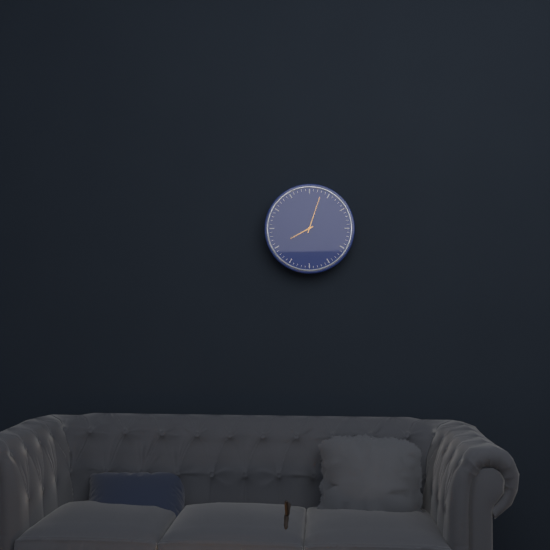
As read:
**8:03**
